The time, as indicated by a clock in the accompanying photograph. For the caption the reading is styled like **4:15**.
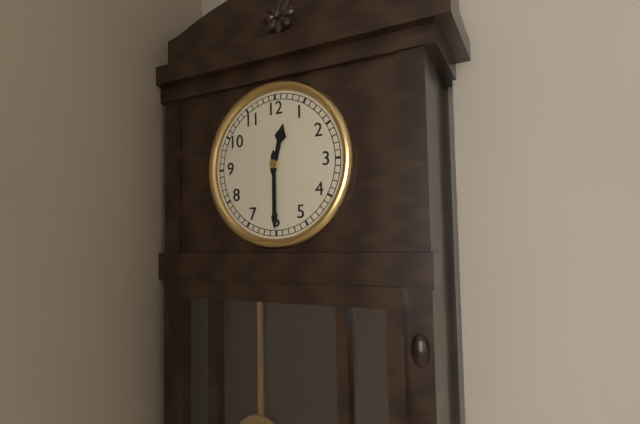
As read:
**12:30**
